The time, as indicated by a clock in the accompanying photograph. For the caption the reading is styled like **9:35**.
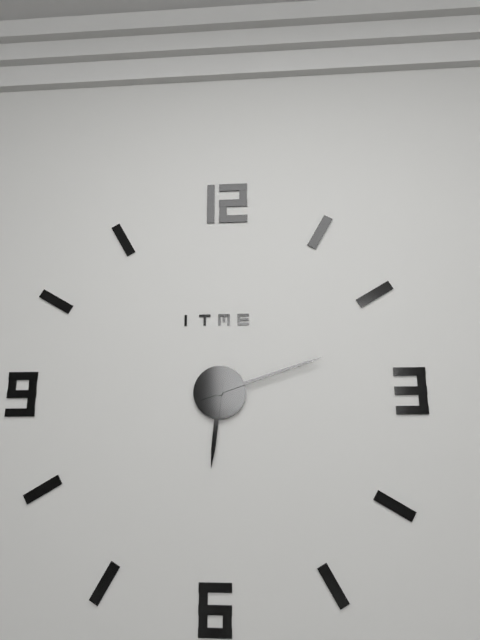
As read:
**6:12**
